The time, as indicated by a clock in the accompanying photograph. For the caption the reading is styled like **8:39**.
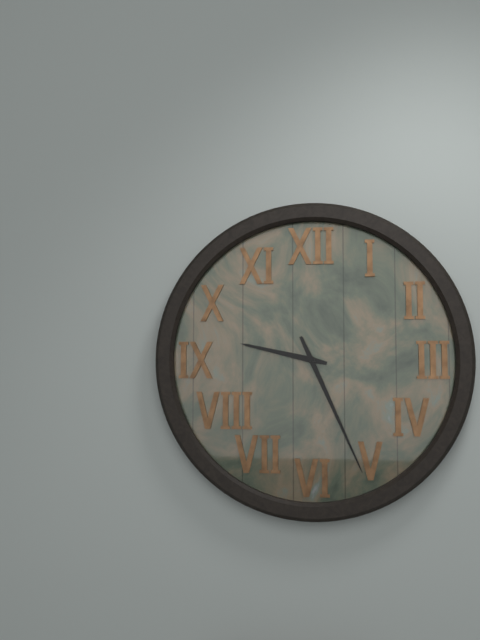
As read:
**9:26**
